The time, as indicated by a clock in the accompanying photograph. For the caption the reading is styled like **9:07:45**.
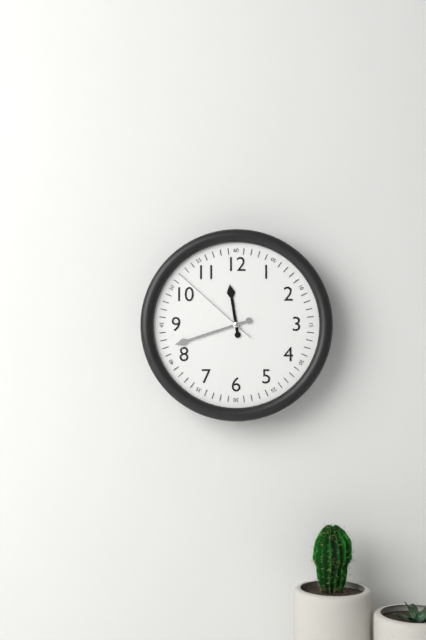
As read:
**11:42:52**
